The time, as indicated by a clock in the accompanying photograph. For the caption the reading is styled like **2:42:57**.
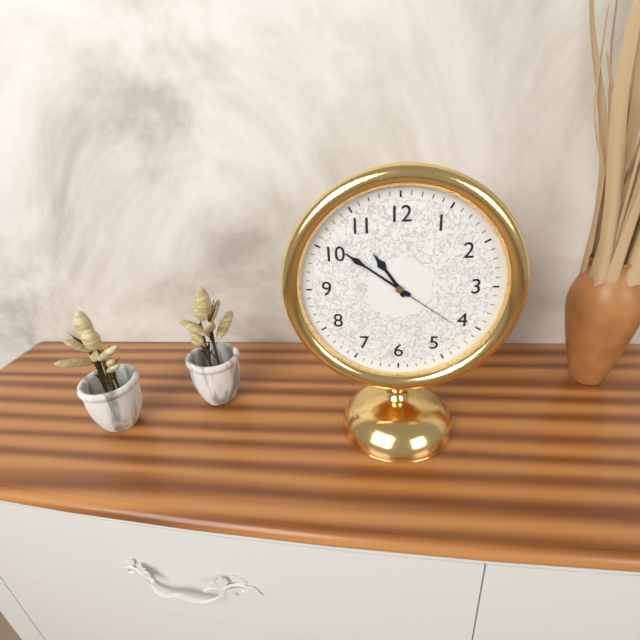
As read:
**10:51:21**
